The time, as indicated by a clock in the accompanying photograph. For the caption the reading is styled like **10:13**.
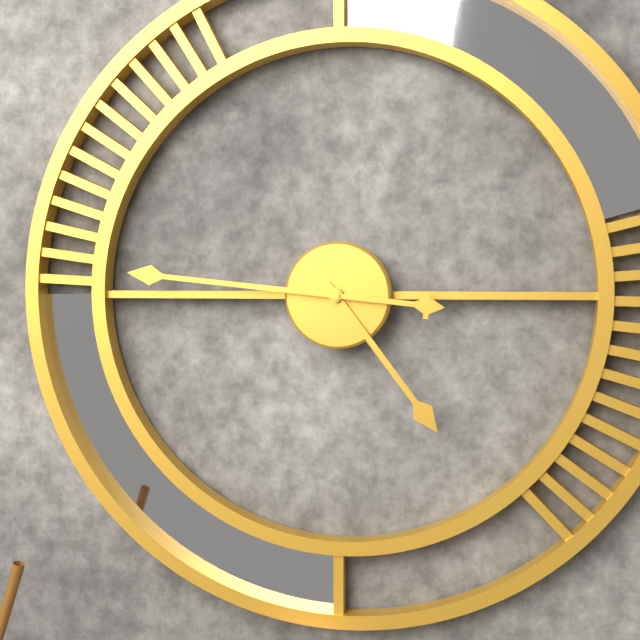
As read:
**4:46**
